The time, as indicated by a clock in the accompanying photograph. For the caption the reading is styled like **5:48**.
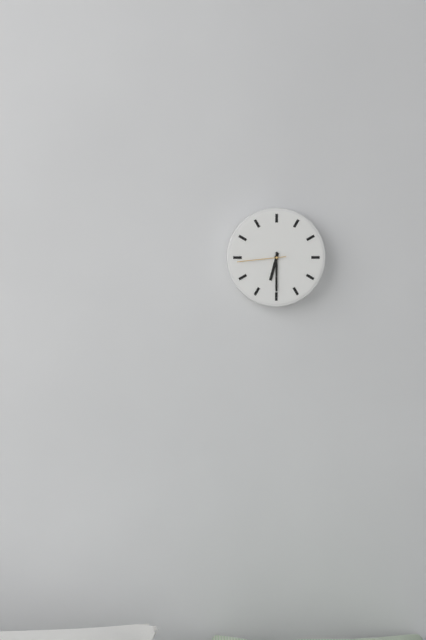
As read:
**6:30**
